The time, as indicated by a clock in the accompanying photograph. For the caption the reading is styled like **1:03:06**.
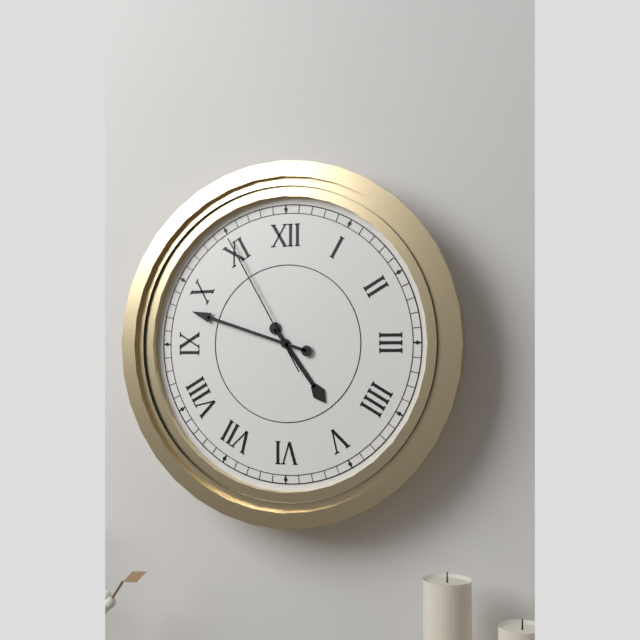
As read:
**4:48:55**
